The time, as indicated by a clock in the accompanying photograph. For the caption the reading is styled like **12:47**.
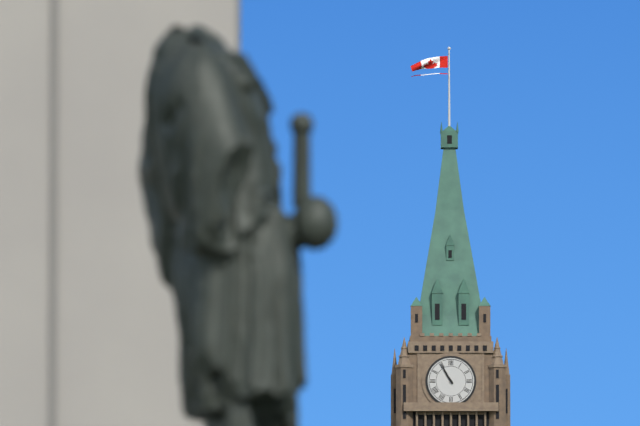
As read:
**10:55**
